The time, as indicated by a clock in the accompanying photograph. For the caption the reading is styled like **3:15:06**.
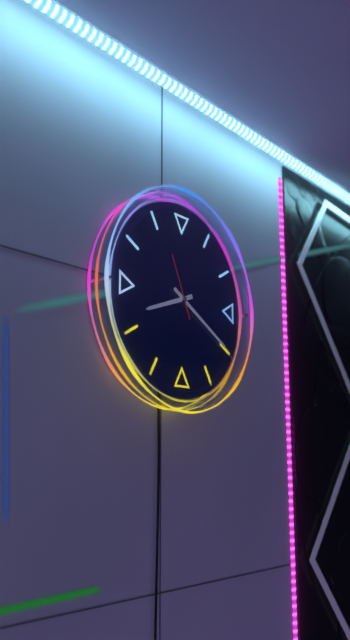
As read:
**8:20:56**
